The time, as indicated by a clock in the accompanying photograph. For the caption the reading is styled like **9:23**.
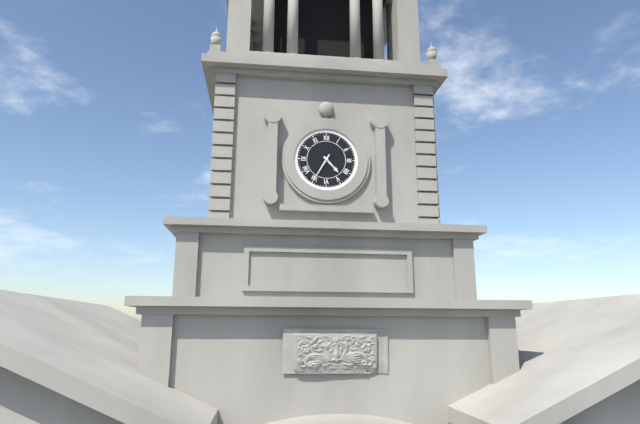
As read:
**4:35**
